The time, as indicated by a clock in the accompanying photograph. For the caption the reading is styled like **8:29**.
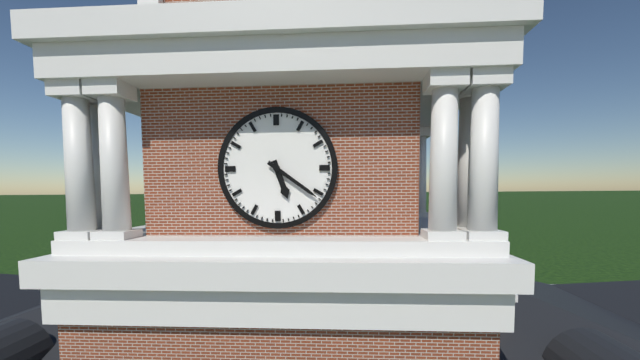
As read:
**5:21**
